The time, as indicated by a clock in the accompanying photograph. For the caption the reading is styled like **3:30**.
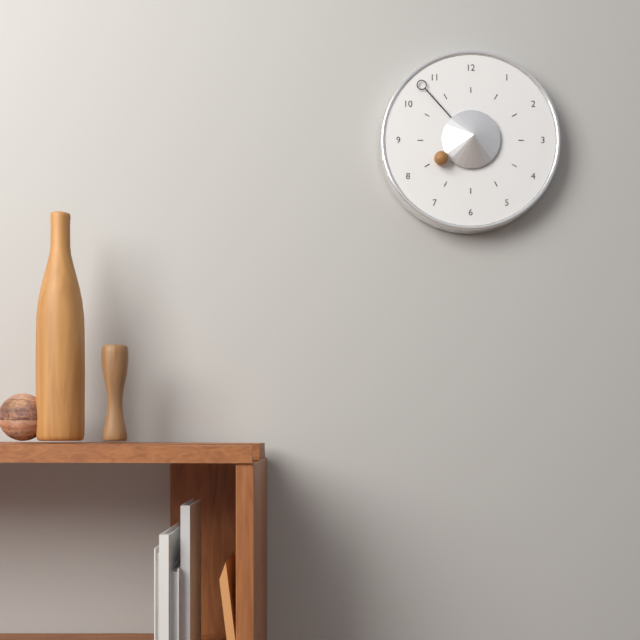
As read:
**7:53**
